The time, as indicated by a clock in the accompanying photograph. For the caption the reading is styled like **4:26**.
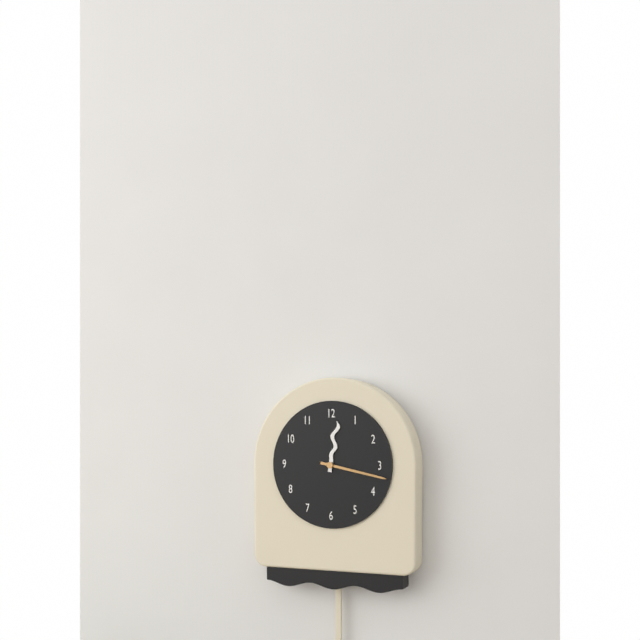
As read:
**12:17**
